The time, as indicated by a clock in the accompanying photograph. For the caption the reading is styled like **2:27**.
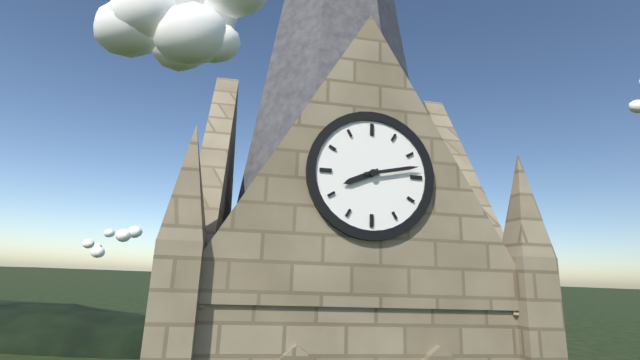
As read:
**8:13**
